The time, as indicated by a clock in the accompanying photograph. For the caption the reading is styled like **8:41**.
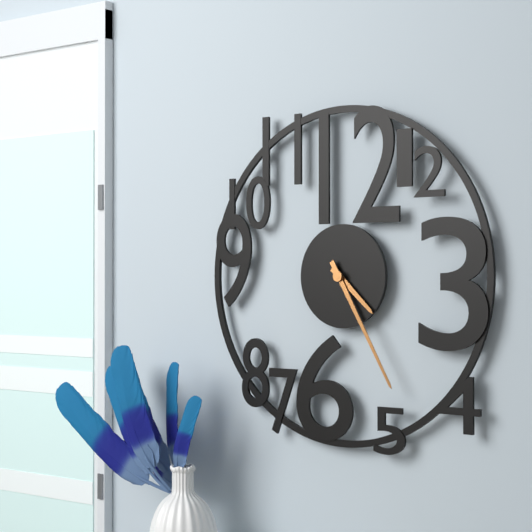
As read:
**4:25**
